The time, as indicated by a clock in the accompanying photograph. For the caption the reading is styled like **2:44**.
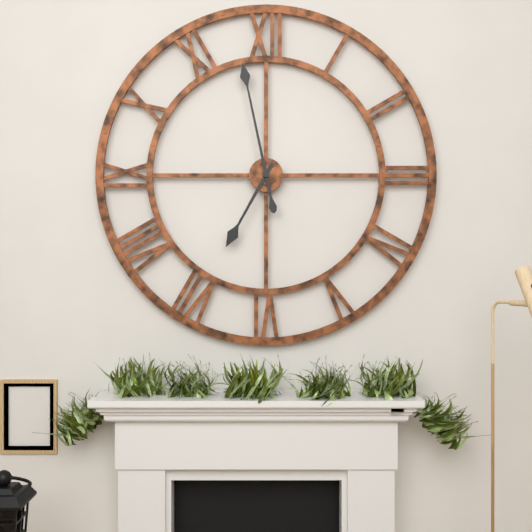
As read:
**6:58**
